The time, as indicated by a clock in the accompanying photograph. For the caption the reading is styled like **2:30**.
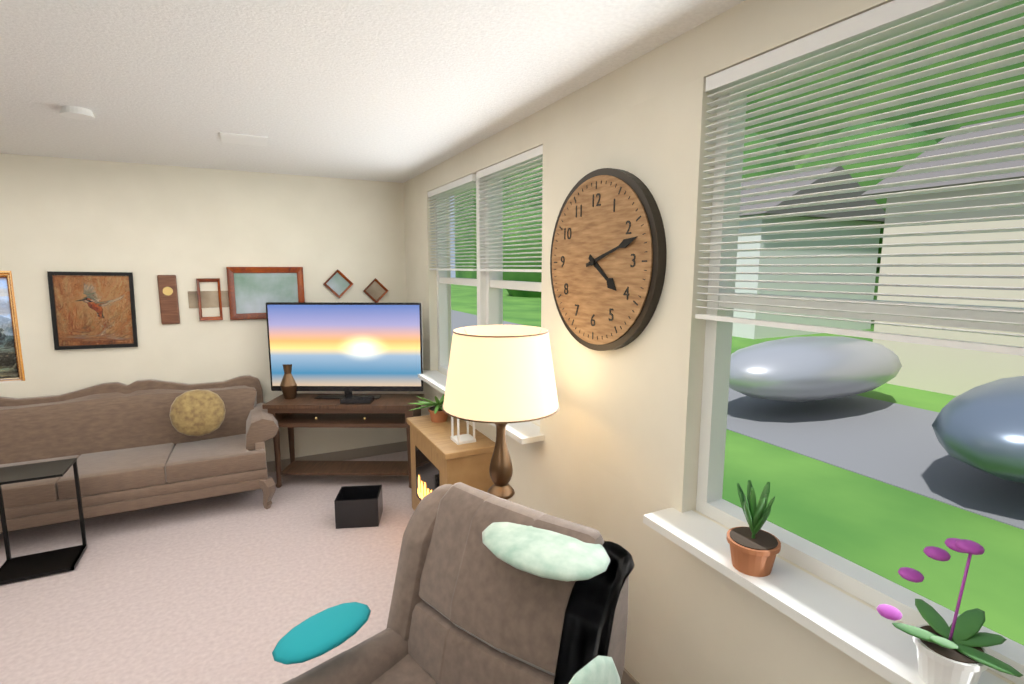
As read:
**4:12**
